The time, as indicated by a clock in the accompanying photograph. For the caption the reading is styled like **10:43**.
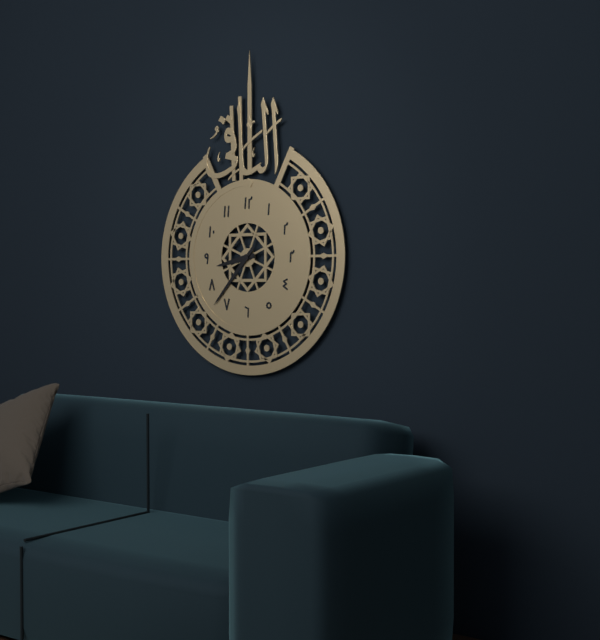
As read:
**8:37**
